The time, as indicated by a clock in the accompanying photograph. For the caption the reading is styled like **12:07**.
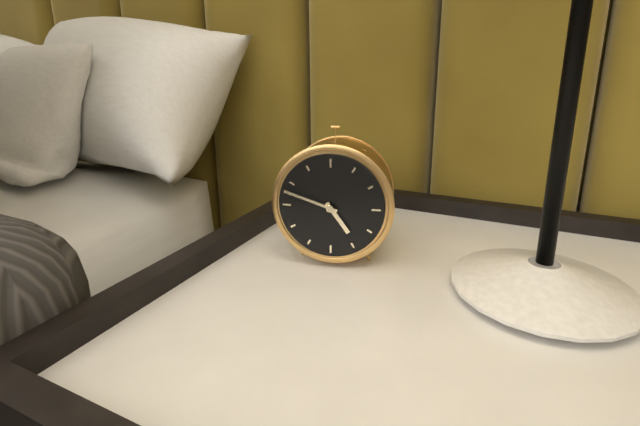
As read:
**4:48**
